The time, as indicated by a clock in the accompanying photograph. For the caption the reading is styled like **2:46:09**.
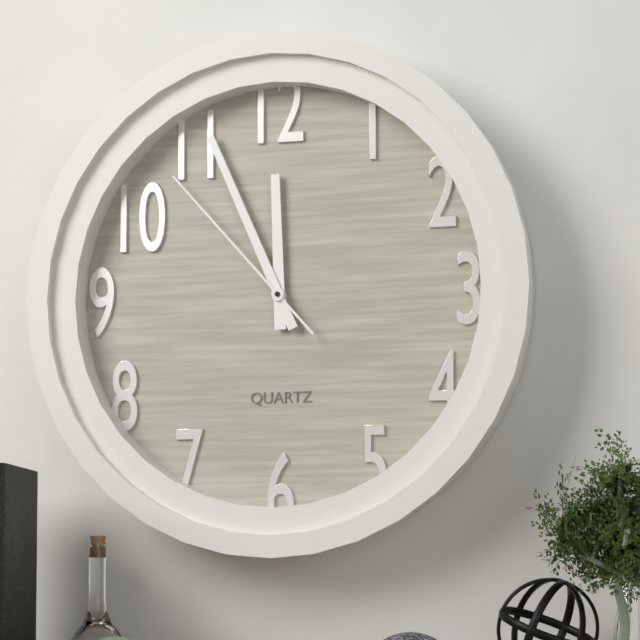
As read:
**11:56:53**
